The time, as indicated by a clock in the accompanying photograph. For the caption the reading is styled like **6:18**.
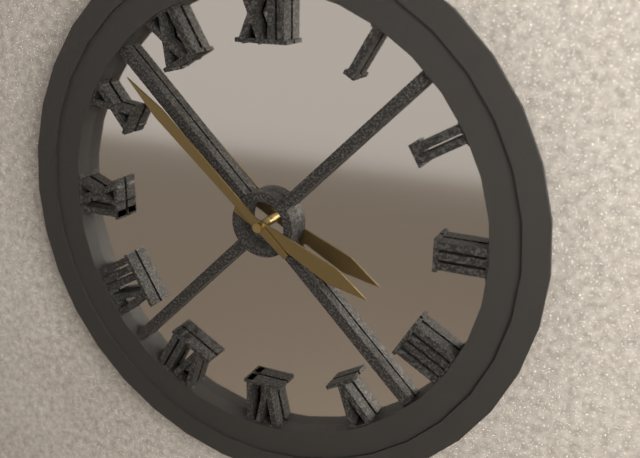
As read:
**3:52**
